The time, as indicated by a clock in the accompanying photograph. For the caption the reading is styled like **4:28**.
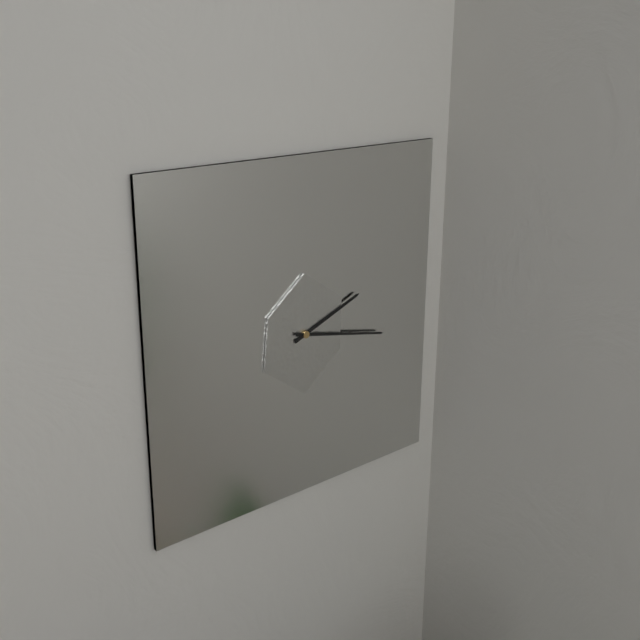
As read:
**2:17**
